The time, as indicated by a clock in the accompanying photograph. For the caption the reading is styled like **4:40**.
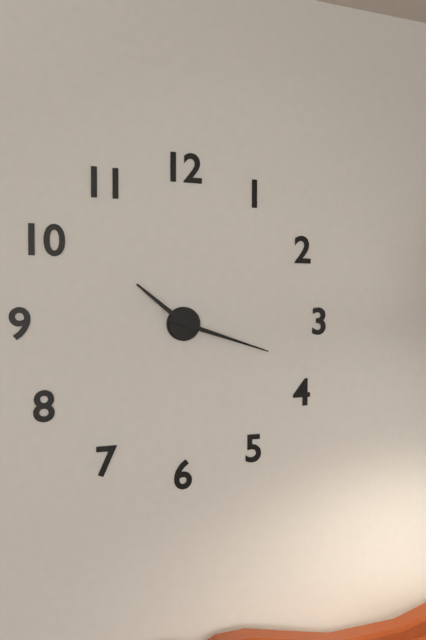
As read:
**10:18**
